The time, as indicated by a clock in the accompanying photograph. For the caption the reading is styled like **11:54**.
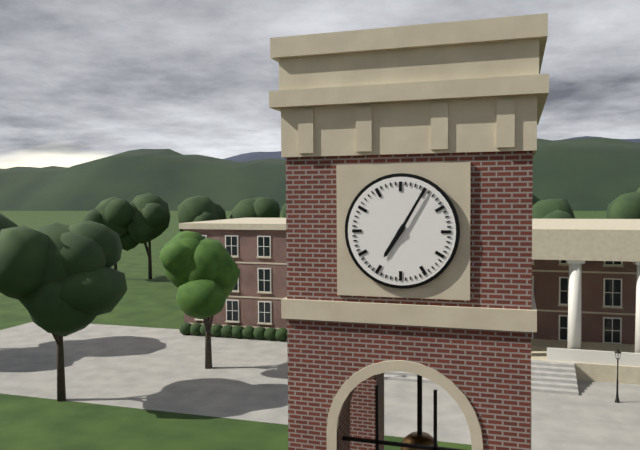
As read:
**7:05**
